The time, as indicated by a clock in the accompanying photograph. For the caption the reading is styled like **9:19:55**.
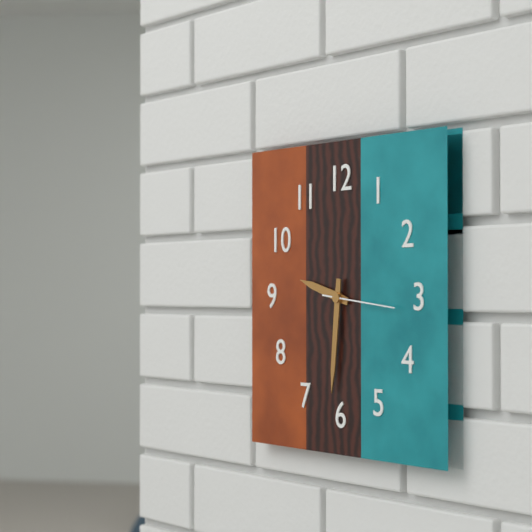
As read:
**9:31:16**
